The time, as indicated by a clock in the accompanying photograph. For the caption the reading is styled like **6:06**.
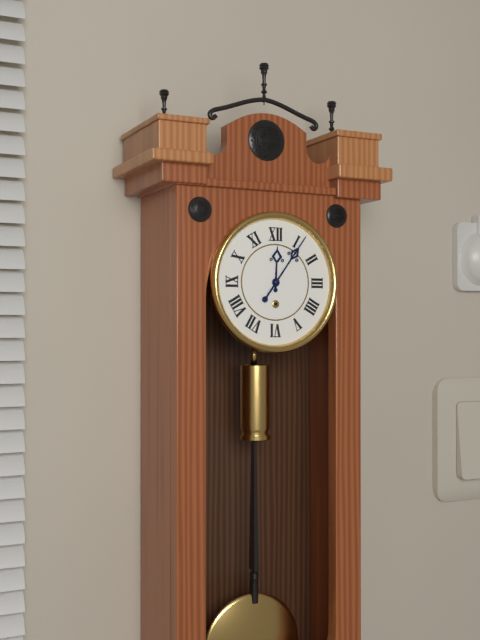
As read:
**12:06**
